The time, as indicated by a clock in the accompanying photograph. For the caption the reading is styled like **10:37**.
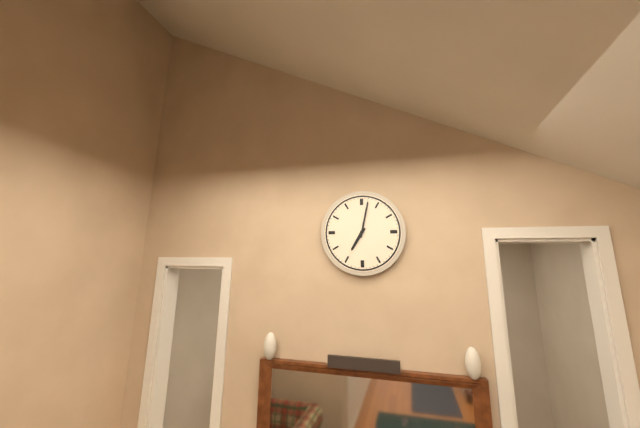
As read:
**7:02**
